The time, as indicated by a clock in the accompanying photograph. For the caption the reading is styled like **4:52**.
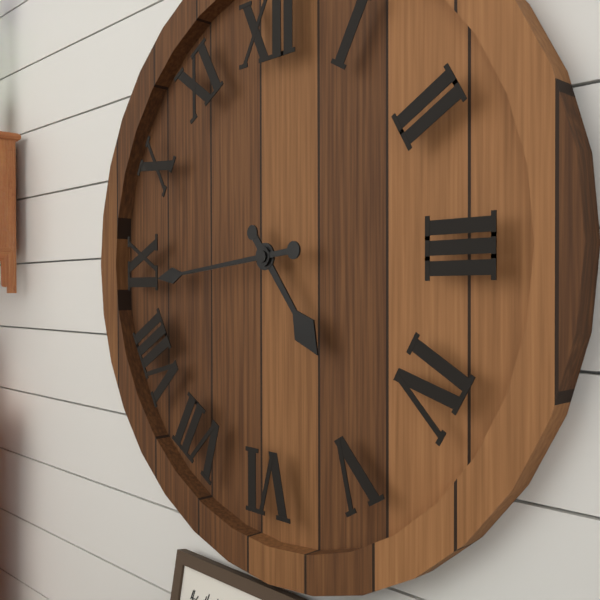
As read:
**4:44**
